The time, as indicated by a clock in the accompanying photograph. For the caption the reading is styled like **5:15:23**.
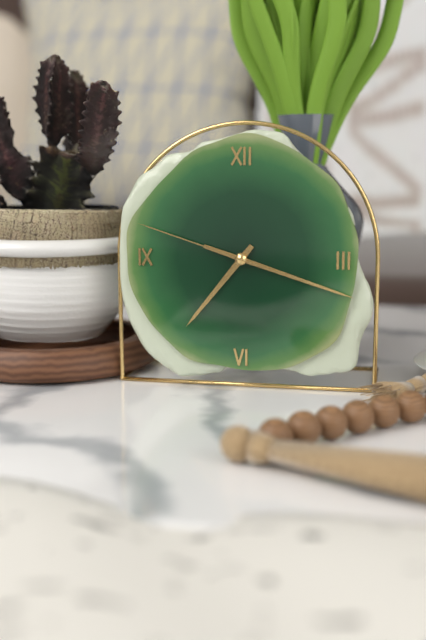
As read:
**7:18:48**
